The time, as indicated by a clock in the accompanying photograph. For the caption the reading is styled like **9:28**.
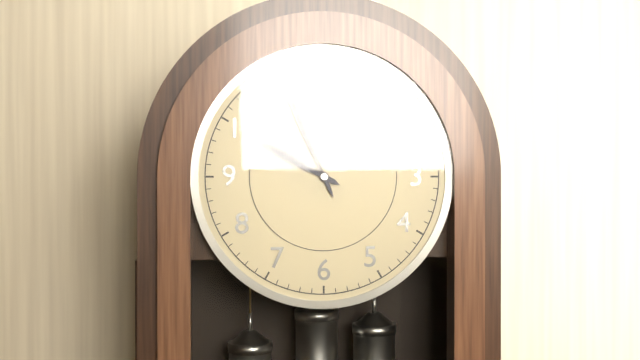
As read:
**9:56**
